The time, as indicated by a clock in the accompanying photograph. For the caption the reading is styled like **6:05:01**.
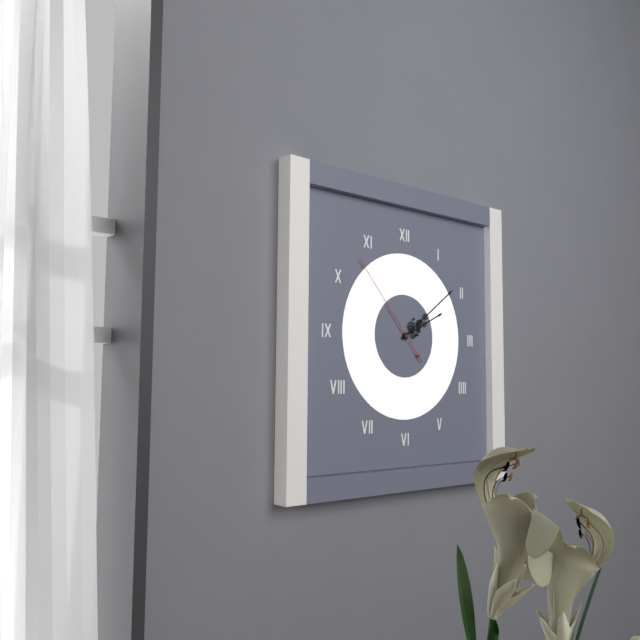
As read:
**2:09:53**
